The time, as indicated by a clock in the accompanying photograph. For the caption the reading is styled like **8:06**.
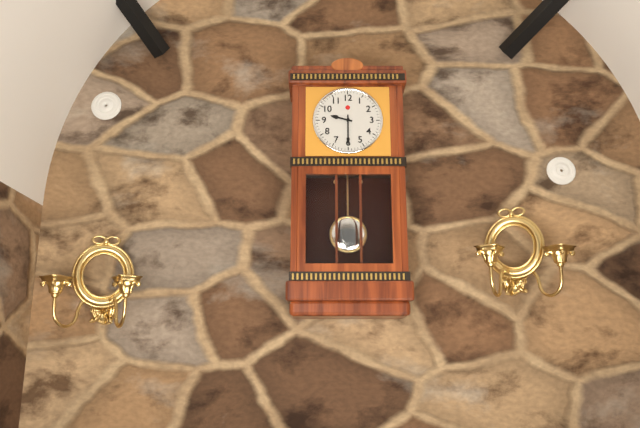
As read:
**9:30**
